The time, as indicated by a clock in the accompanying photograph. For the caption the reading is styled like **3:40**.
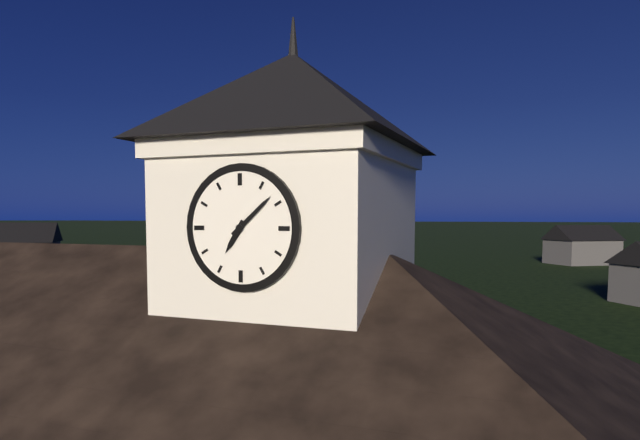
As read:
**7:08**
